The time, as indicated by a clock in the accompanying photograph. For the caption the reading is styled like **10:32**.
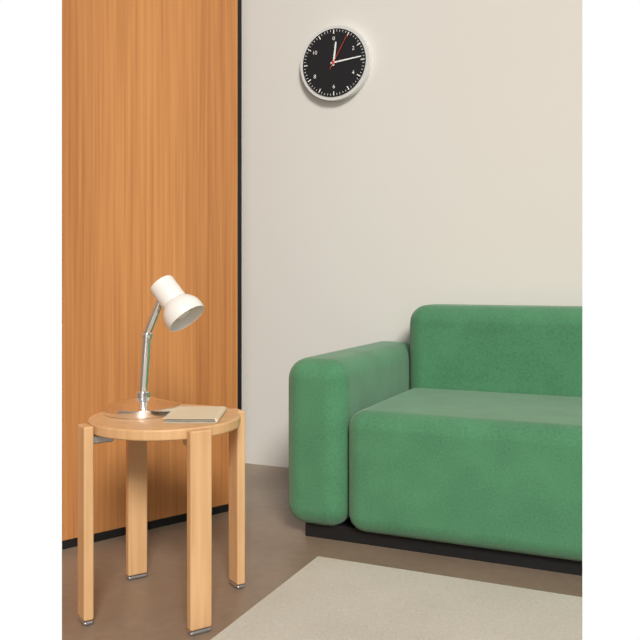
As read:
**12:14**
